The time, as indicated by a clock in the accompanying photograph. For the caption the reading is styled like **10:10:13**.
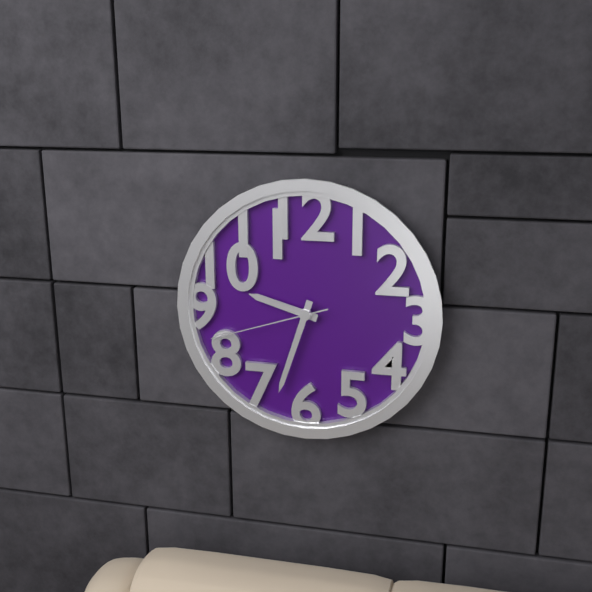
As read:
**9:33:42**
